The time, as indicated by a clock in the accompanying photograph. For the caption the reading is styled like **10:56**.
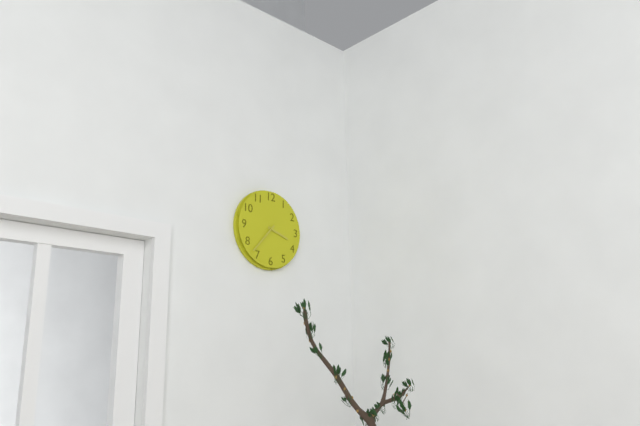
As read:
**3:37**
